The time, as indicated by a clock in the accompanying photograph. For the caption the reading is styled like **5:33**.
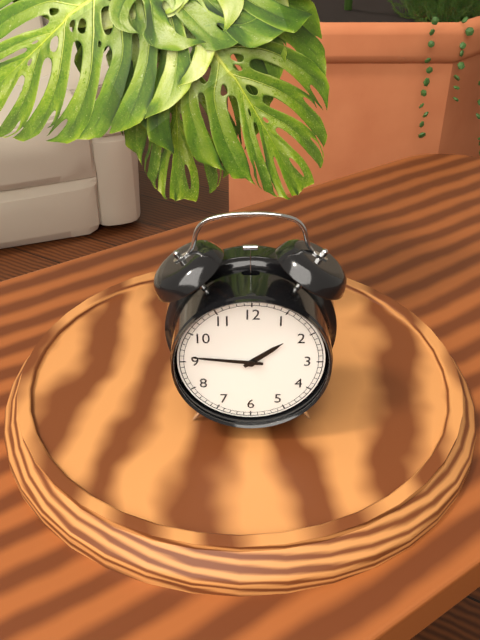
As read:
**1:46**
